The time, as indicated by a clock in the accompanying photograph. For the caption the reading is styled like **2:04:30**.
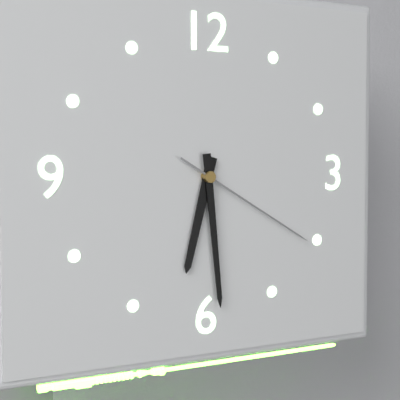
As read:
**6:29:20**
